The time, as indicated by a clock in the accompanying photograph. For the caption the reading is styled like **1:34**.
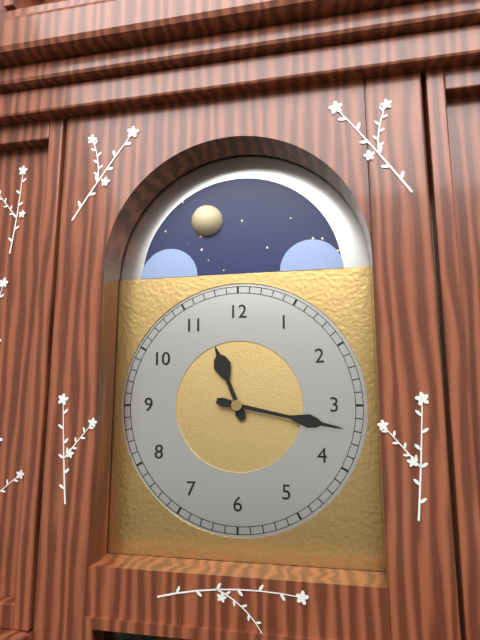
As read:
**11:17**
